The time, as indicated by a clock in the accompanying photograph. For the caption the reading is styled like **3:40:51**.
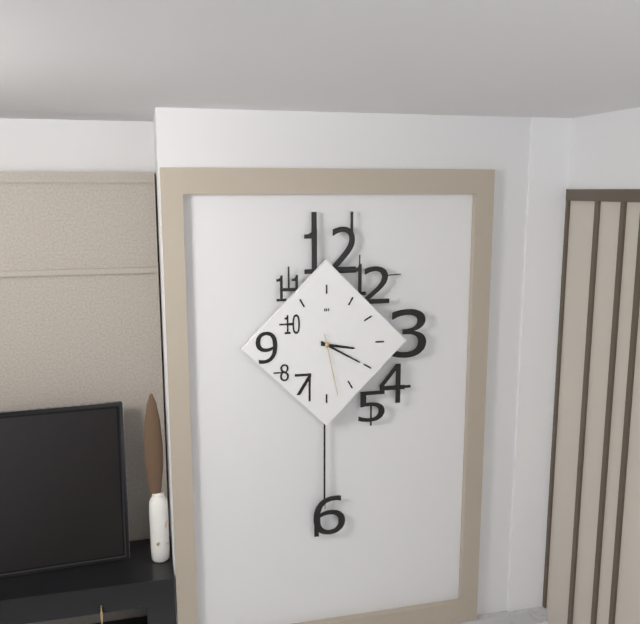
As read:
**3:20:28**
